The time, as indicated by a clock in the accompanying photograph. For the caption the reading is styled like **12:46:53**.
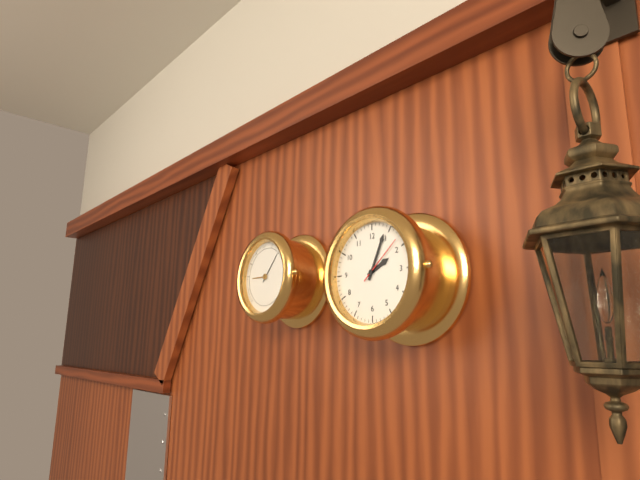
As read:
**2:04:08**
